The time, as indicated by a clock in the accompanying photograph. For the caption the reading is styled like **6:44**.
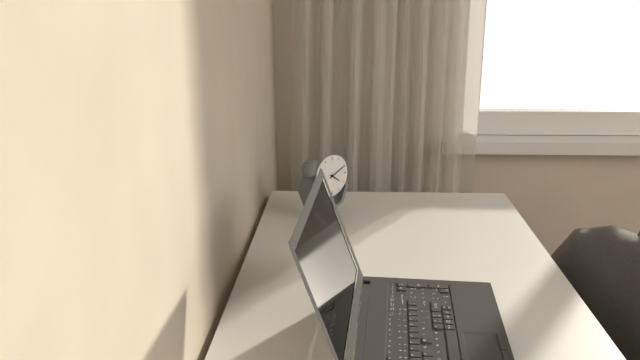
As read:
**4:11**
